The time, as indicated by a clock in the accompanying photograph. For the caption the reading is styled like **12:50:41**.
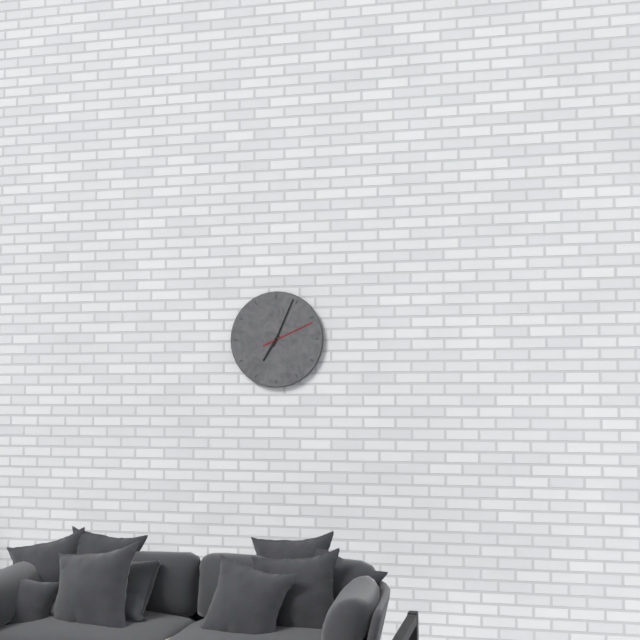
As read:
**7:04:11**
